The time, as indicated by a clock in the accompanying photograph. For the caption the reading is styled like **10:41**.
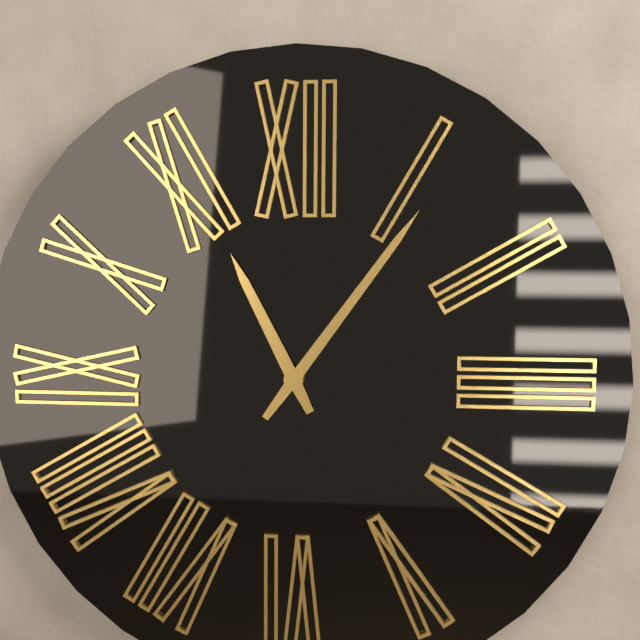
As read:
**11:06**
